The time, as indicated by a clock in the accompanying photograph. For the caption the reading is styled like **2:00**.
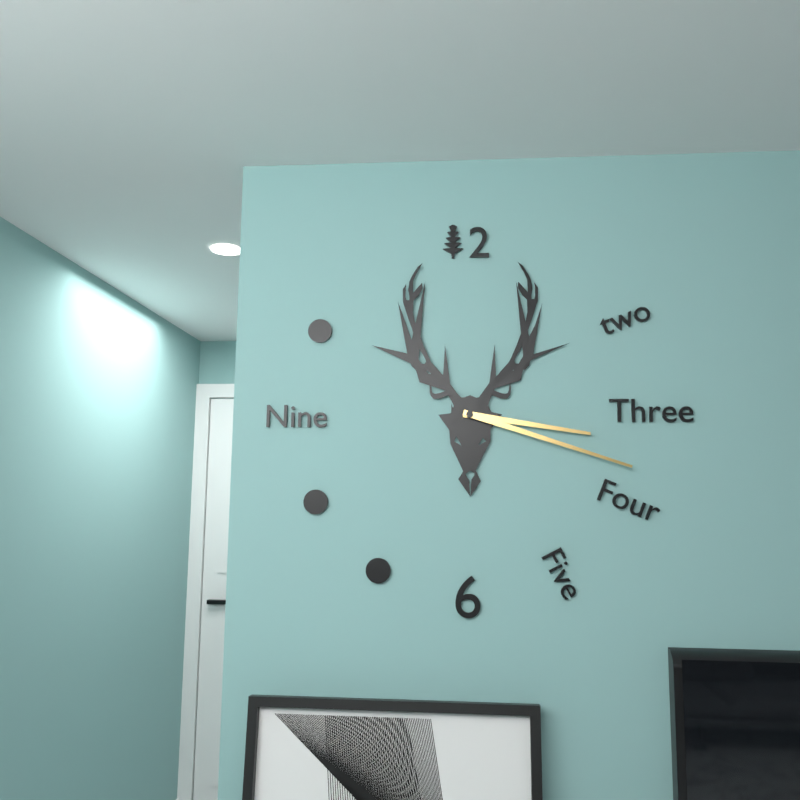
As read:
**3:18**
